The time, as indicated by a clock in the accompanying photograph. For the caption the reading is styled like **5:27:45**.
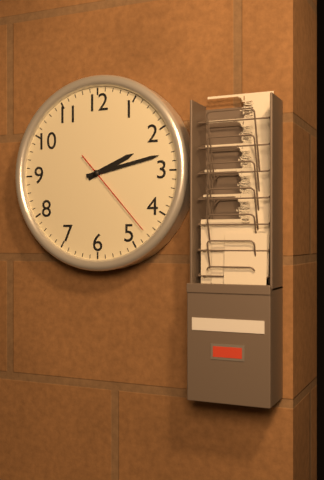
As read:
**2:13:23**
